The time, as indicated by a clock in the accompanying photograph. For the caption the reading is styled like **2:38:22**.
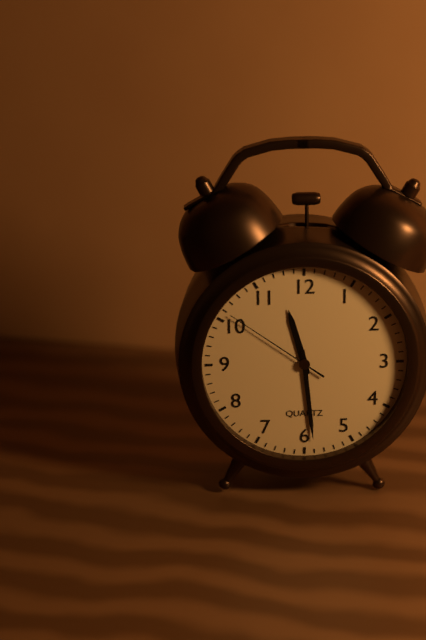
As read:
**11:29:51**
